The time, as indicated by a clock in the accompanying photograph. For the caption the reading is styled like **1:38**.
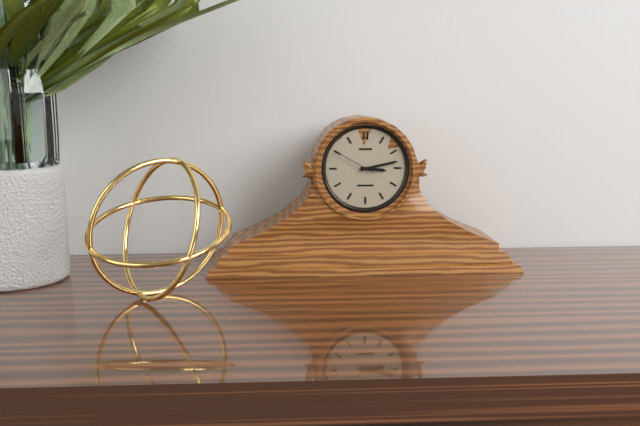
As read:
**3:13**
